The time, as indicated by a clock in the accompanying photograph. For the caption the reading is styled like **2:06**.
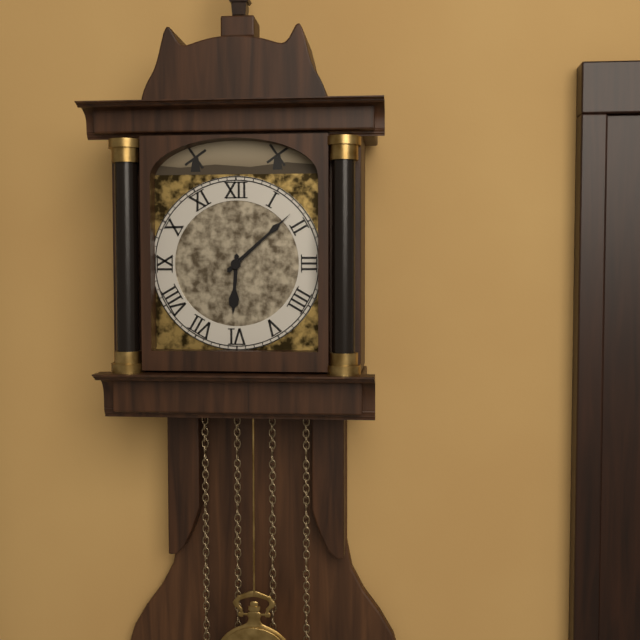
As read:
**6:08**
